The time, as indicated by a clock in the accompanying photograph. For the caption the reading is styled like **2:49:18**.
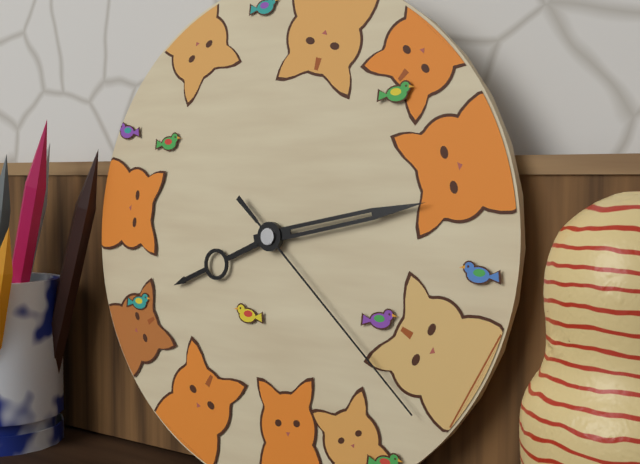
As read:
**8:13:22**
